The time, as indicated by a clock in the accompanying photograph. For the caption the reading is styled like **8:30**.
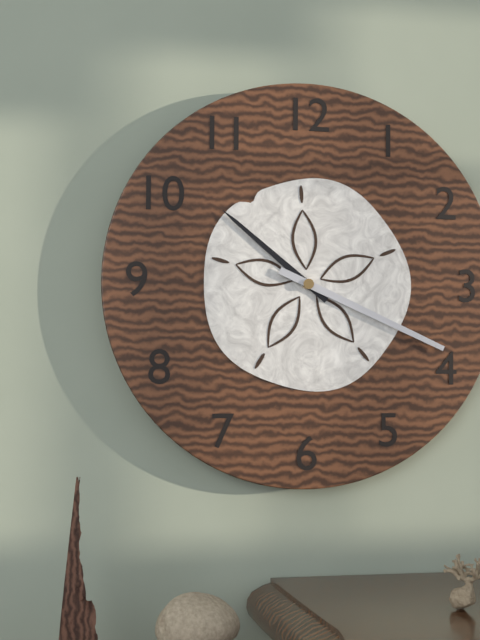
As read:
**10:19**
